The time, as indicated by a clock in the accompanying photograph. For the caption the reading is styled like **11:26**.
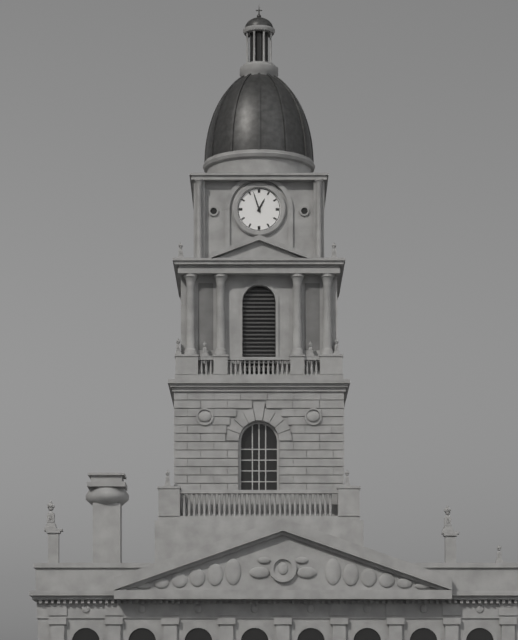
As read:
**12:57**
